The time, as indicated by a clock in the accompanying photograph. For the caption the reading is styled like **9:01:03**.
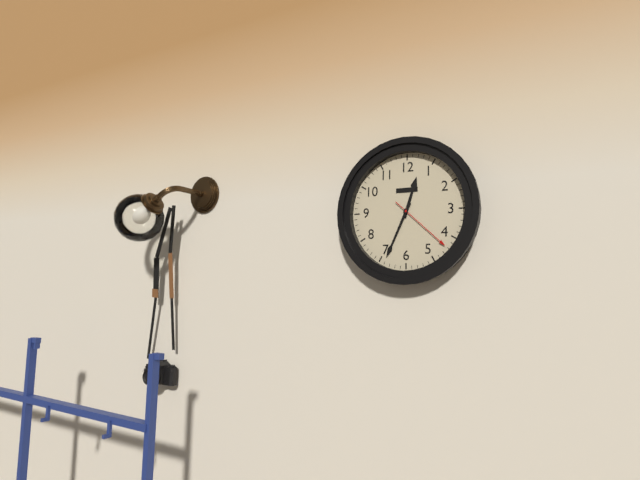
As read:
**12:34:22**
